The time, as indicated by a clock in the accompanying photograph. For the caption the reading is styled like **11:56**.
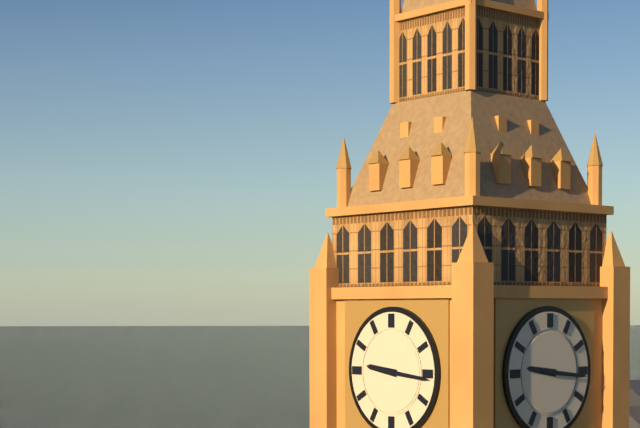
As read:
**9:16**
